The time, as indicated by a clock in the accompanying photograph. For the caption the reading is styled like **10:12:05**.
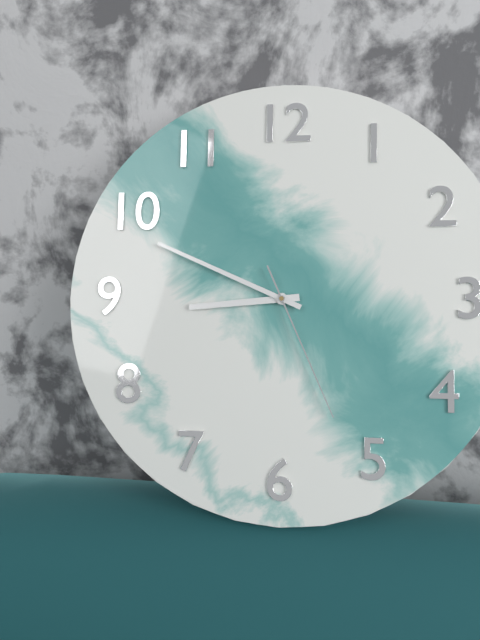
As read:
**8:49:26**
